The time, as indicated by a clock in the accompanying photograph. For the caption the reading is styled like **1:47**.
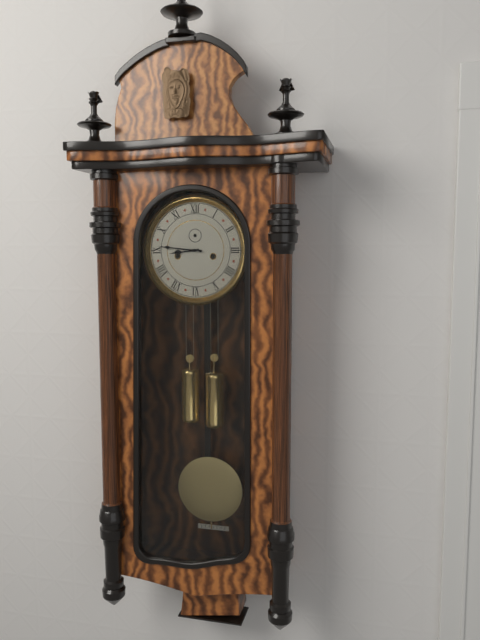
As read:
**8:46**
